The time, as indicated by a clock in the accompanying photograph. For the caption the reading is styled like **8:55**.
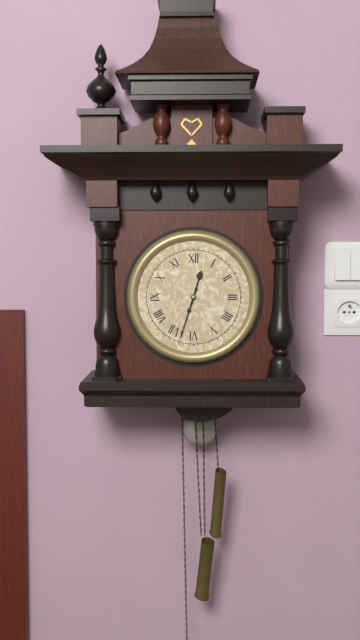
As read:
**12:33**
